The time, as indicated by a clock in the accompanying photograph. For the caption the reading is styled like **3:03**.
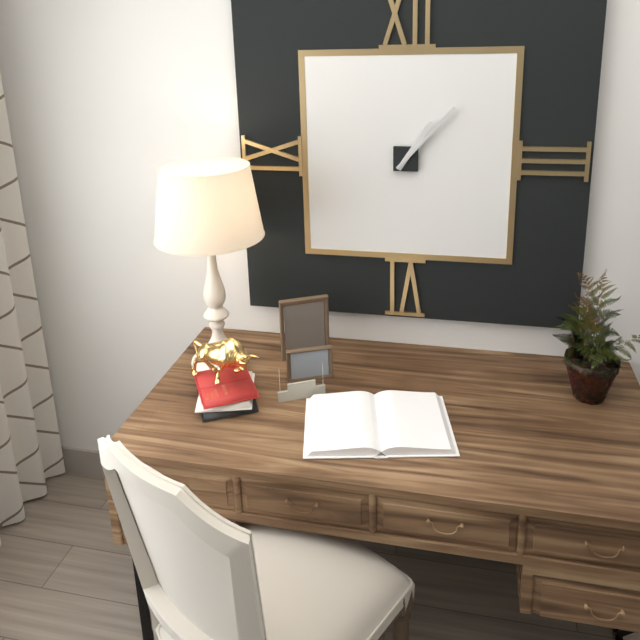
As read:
**1:07**
